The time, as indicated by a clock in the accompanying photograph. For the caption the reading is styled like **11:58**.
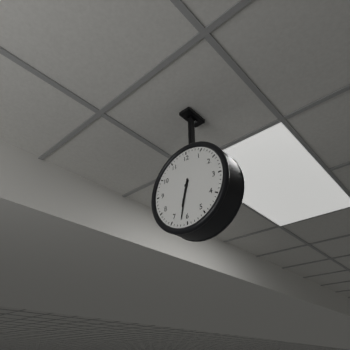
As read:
**6:32**
